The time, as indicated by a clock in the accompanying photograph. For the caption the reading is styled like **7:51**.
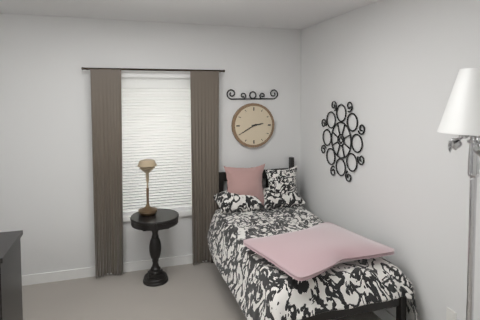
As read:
**2:40**
